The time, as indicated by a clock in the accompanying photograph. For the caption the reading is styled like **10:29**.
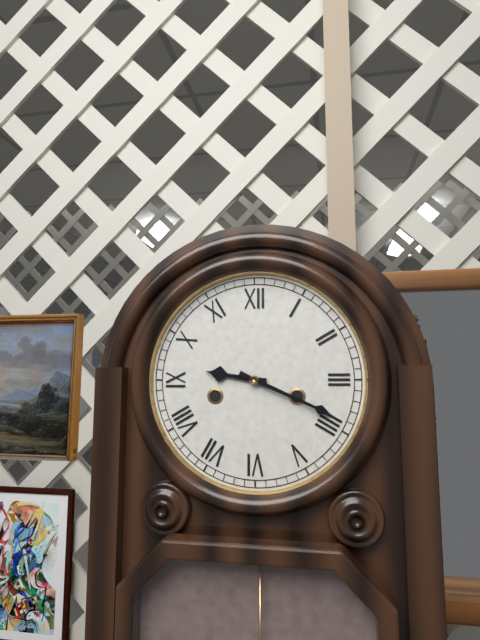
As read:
**9:19**
